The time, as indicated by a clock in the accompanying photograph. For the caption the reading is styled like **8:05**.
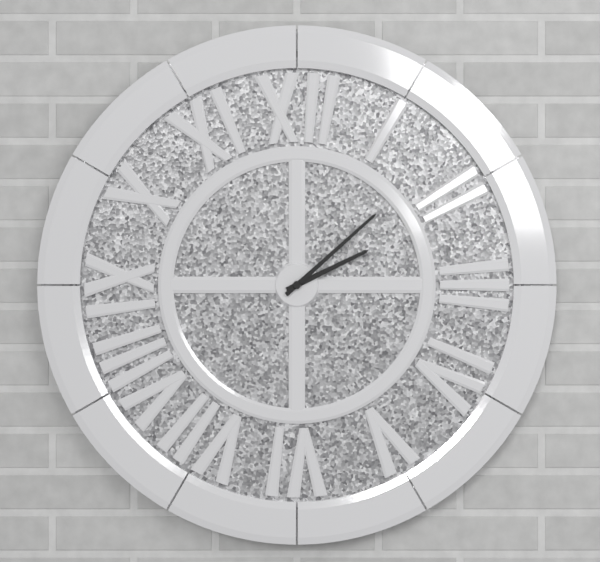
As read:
**2:08**
